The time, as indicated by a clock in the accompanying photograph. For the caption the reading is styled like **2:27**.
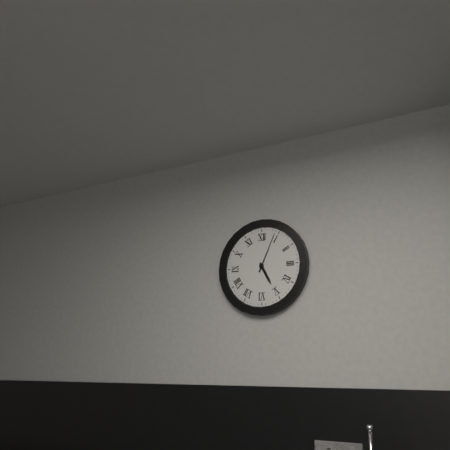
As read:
**5:04**
